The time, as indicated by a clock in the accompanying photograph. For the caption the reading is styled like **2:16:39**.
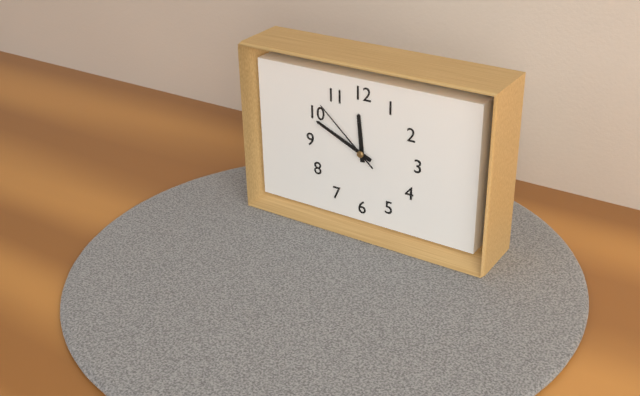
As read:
**11:49:52**
